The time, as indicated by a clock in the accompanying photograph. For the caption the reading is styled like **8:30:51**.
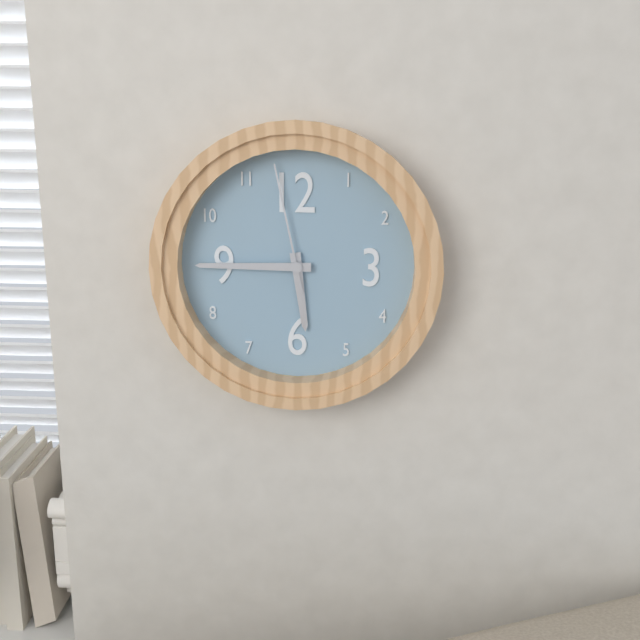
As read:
**5:45:58**
